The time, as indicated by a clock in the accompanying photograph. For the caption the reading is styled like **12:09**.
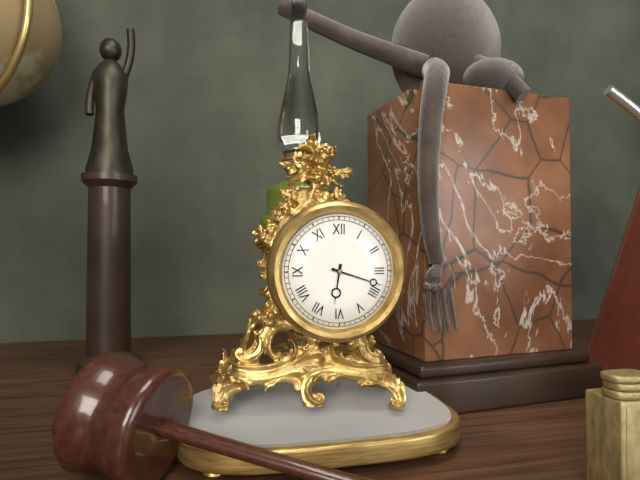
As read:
**6:18**
